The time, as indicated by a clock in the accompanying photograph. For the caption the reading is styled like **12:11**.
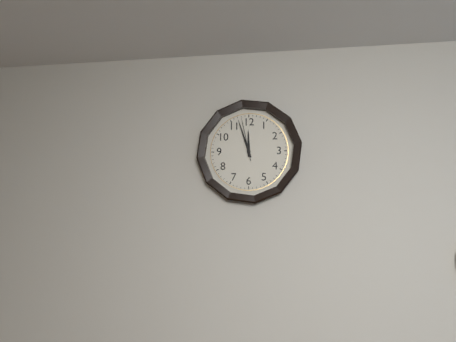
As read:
**11:57**
